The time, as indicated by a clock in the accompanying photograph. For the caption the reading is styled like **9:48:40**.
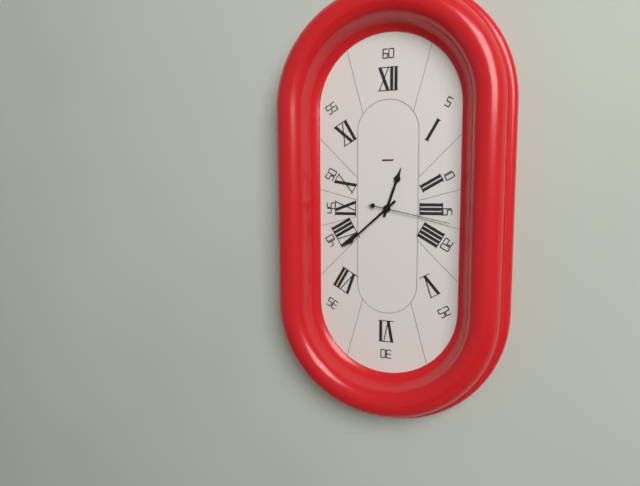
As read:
**12:38:17**
